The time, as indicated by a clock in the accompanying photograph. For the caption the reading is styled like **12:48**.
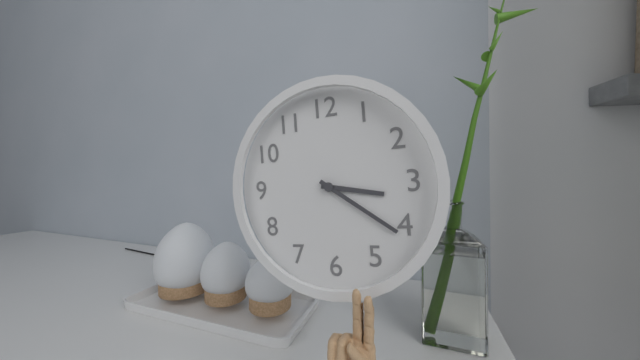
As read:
**3:21**
